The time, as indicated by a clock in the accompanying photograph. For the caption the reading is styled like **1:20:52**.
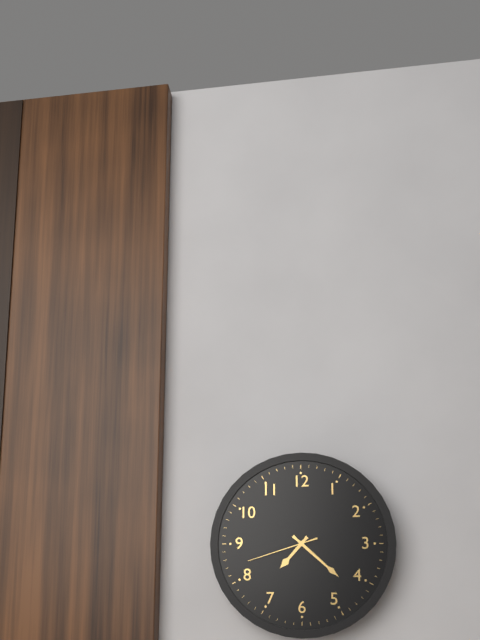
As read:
**7:22:42**
